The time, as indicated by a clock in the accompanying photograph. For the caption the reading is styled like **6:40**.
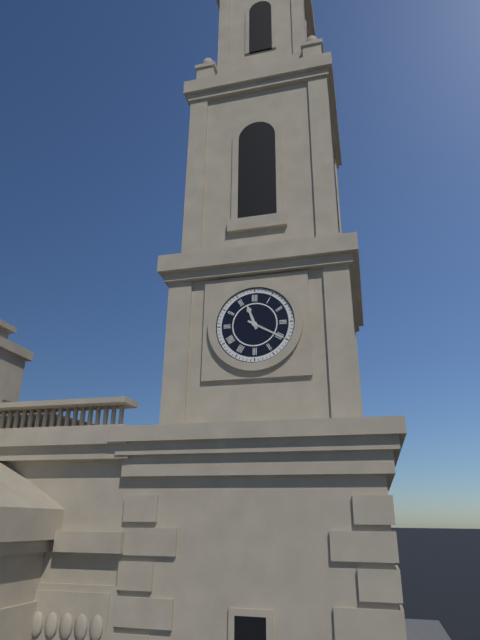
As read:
**11:20**
